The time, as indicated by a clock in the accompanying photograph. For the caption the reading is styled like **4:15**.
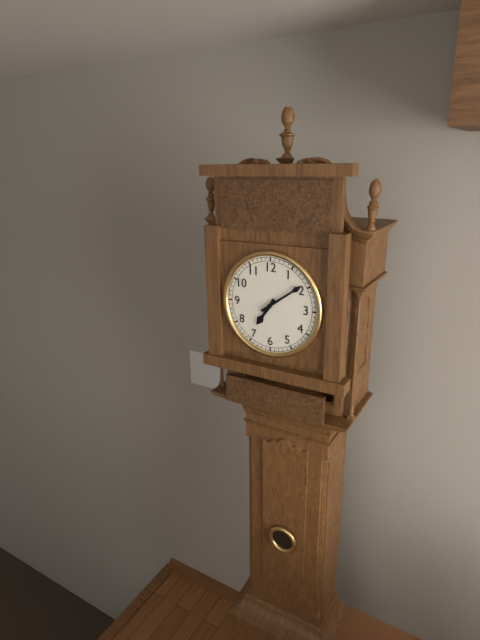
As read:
**7:09**
